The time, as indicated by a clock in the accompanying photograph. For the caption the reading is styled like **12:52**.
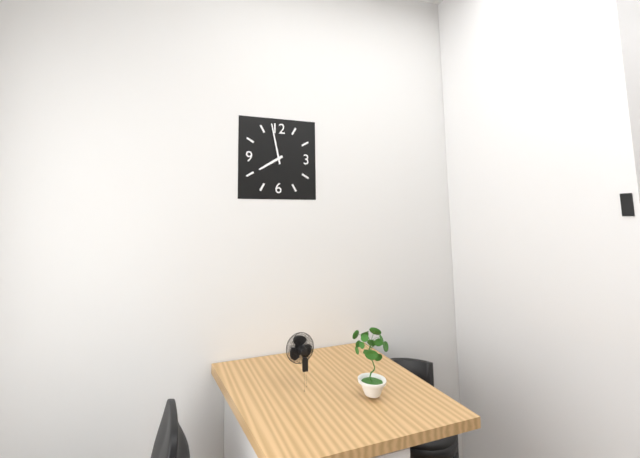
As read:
**7:58**
